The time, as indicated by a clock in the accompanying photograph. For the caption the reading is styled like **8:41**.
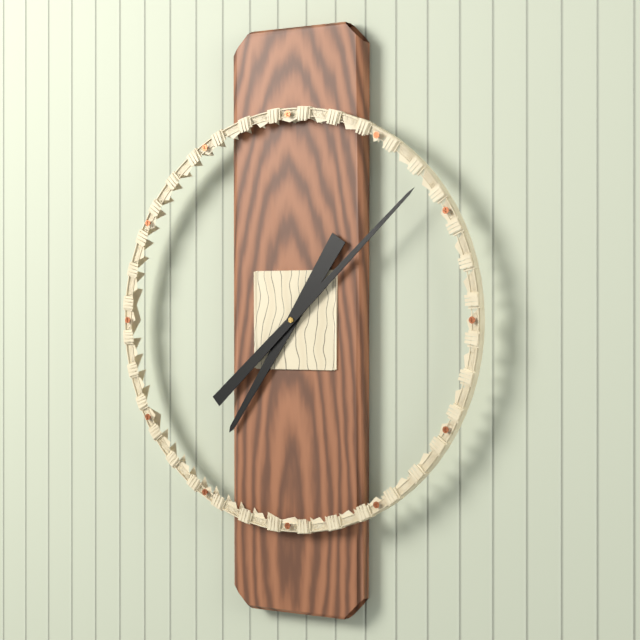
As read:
**7:08**
